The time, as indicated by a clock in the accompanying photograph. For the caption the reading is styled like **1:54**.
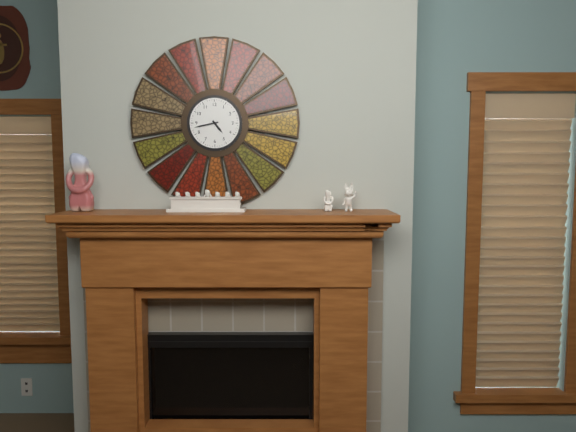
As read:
**4:43**
